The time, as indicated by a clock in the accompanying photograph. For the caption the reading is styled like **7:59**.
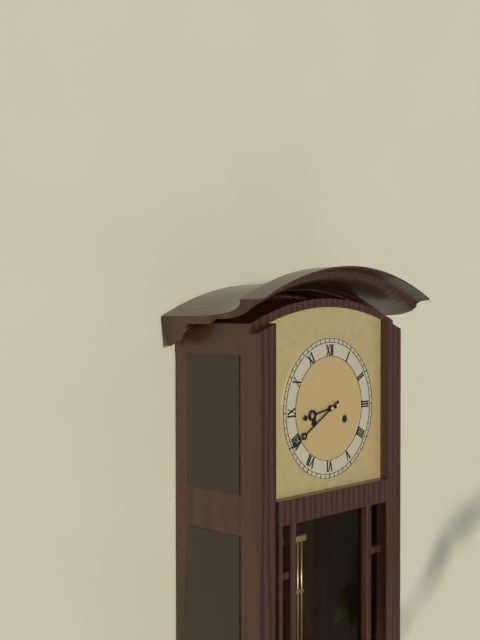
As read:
**8:40**
